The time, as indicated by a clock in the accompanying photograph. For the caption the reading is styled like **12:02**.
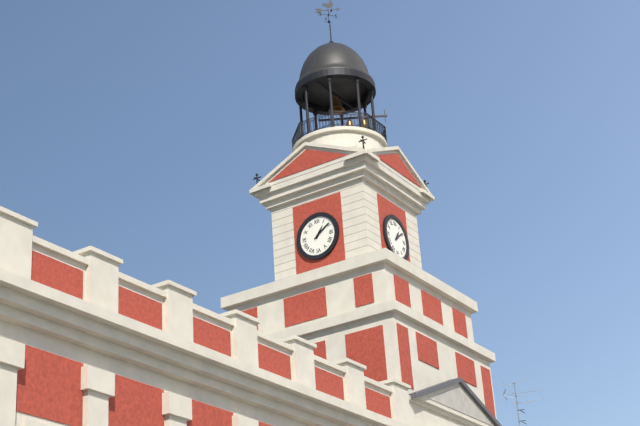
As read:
**1:09**
